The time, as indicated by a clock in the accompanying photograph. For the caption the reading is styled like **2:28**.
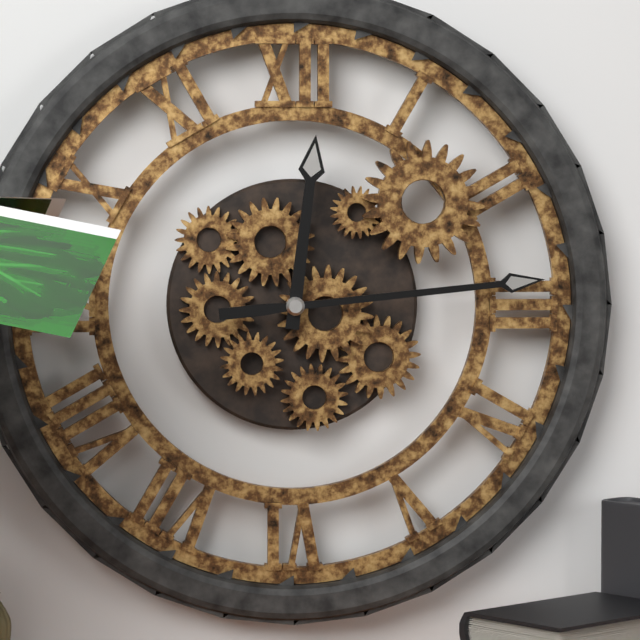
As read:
**12:14**
